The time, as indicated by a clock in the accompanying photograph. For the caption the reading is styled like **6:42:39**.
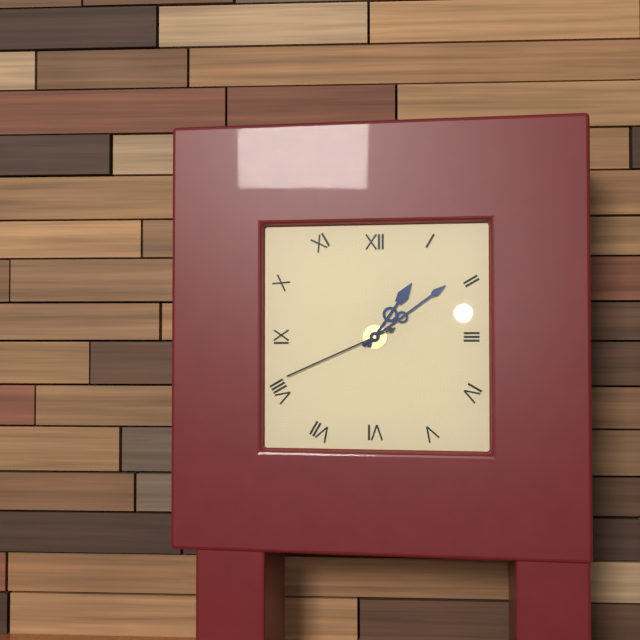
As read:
**1:09:41**
